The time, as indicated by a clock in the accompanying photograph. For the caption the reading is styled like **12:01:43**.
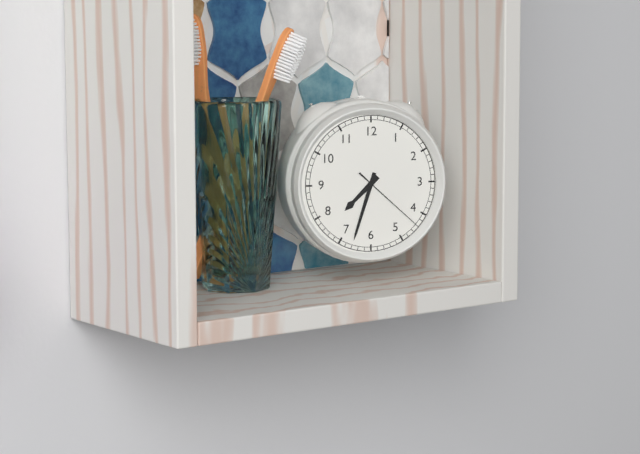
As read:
**7:33:22**
